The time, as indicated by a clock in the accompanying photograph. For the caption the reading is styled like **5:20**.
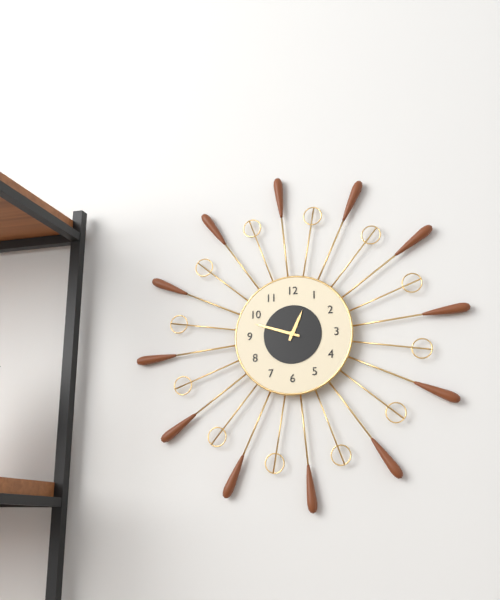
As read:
**12:48**
